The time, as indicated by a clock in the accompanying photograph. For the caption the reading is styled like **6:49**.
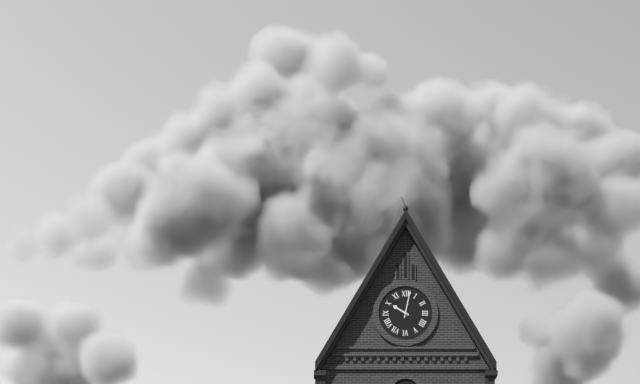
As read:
**10:02**
